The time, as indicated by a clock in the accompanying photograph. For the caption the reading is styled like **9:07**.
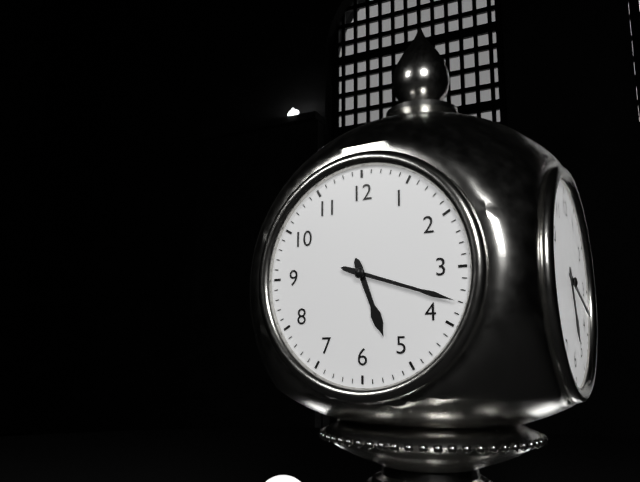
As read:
**5:18**
